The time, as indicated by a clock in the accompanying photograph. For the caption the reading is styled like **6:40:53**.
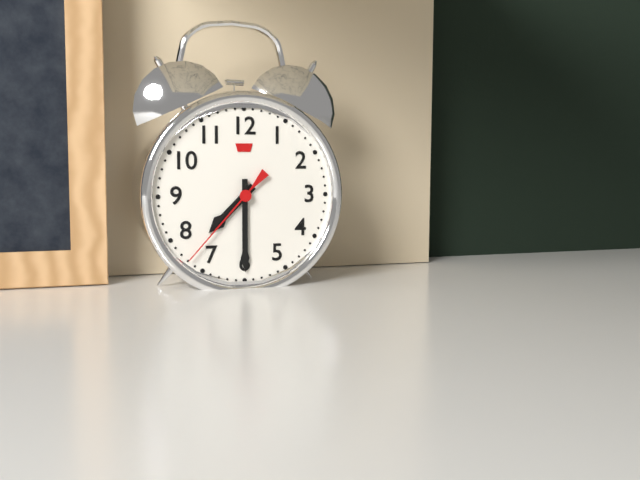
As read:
**7:30:37**
